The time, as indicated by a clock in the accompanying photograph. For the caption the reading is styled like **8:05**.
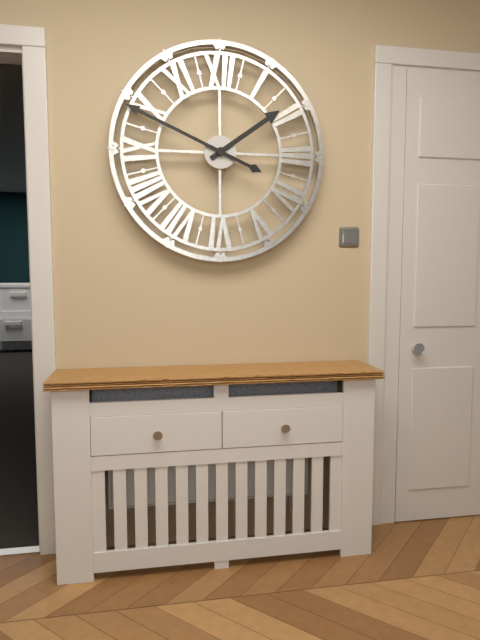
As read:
**1:49**
